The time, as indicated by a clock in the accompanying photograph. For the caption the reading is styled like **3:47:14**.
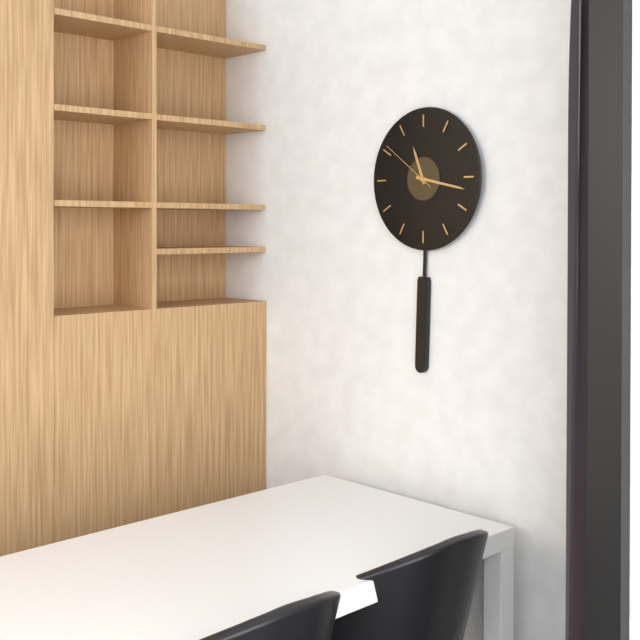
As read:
**11:17:51**
